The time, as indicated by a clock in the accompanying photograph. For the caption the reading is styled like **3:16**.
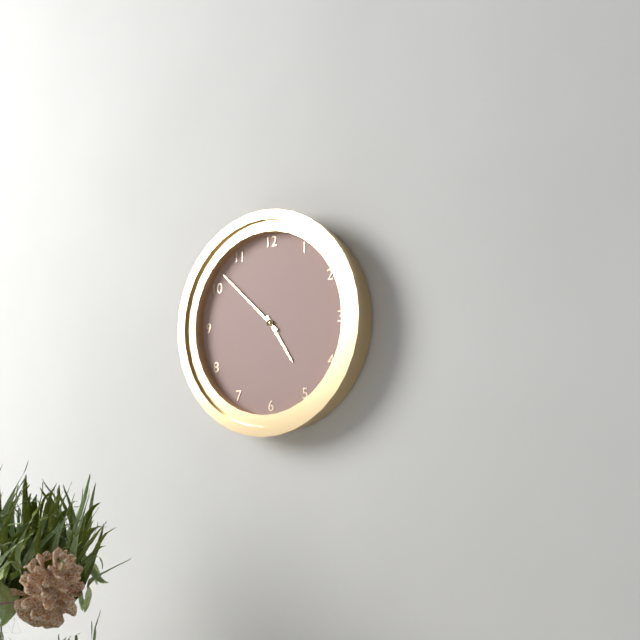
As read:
**4:52**
